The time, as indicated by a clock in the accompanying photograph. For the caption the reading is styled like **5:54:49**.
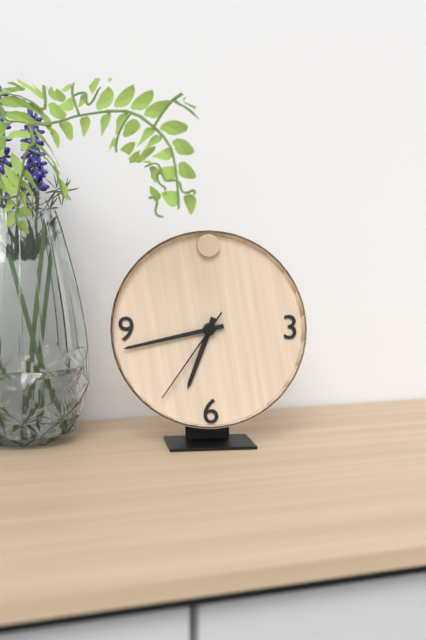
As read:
**6:43:36**
